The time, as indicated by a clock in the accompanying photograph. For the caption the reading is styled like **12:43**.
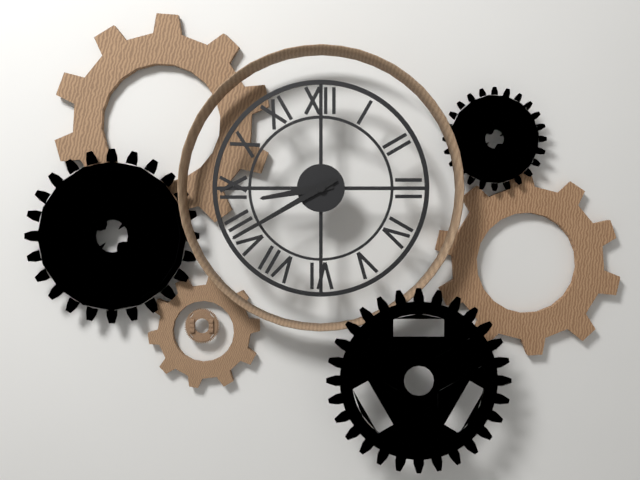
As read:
**8:40**
